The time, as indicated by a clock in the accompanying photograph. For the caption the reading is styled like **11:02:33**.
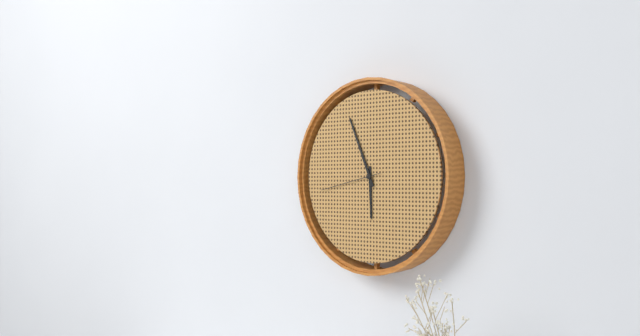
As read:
**5:56:43**
